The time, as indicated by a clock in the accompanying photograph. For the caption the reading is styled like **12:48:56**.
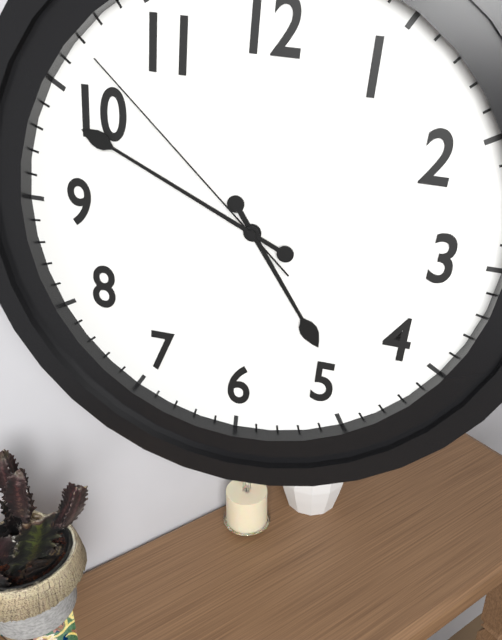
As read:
**4:49:52**
